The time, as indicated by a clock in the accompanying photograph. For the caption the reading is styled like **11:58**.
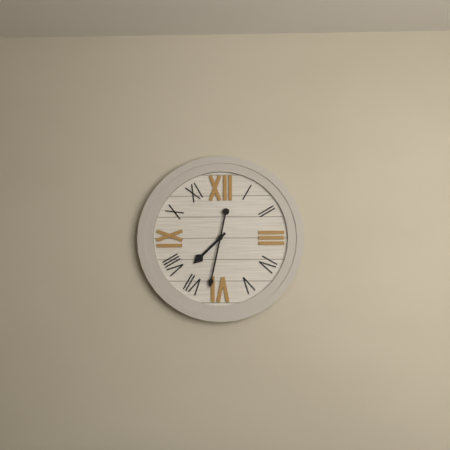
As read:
**7:32**
